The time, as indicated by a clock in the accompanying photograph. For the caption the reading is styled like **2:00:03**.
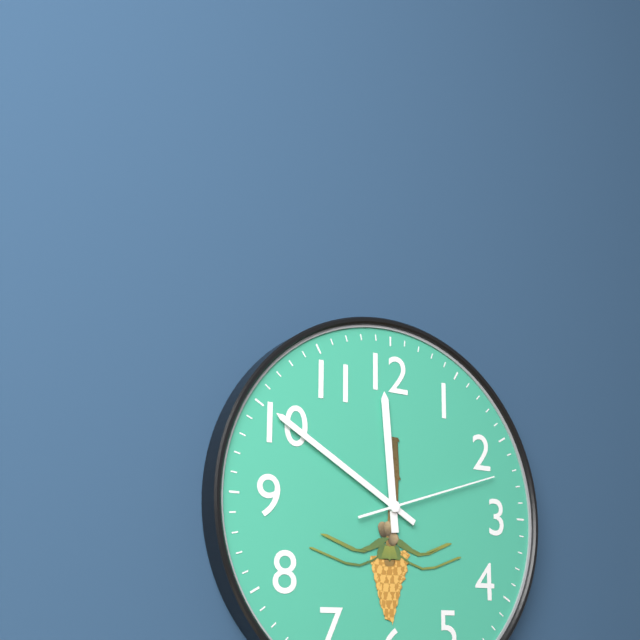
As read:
**11:50:12**
